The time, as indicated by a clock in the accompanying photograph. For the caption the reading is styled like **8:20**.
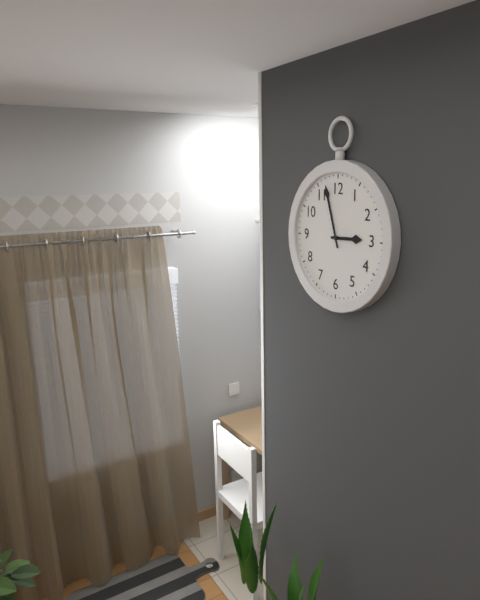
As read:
**2:57**
